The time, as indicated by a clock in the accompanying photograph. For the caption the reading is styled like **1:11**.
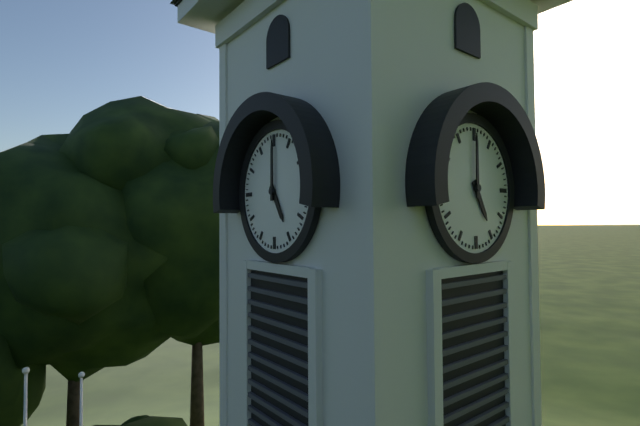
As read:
**5:00**
